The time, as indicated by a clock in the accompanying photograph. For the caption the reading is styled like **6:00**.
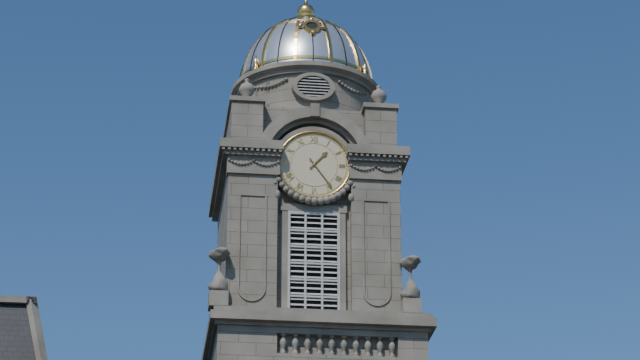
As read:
**1:24**
